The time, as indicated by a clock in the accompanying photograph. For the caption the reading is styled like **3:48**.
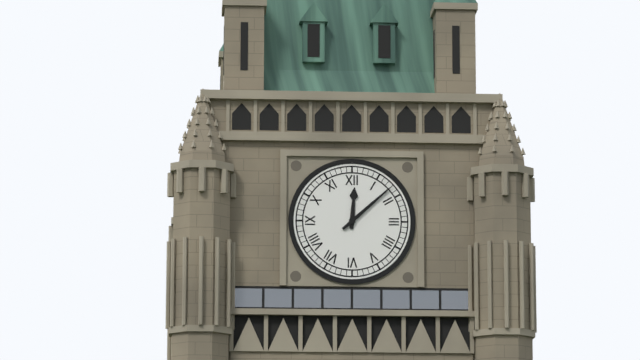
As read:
**12:08**
